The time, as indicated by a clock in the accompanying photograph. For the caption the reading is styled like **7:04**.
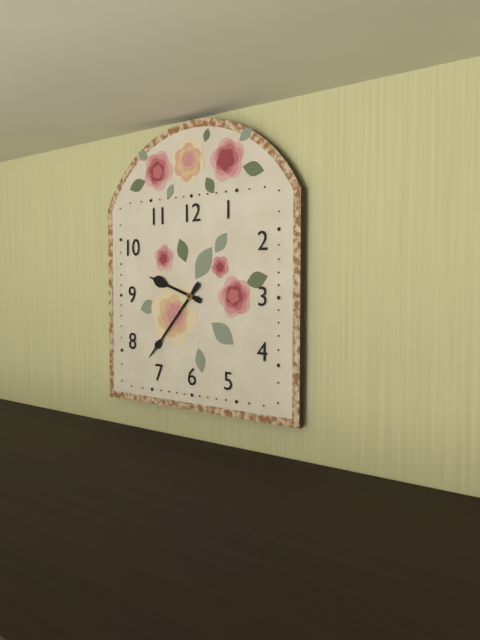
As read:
**9:37**
